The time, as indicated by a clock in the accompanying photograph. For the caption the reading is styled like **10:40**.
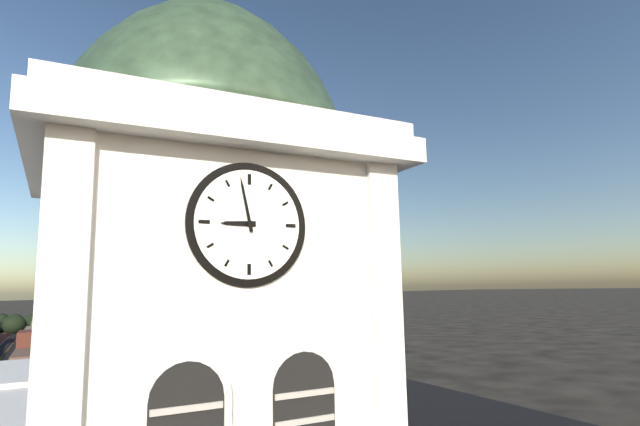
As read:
**8:58**
